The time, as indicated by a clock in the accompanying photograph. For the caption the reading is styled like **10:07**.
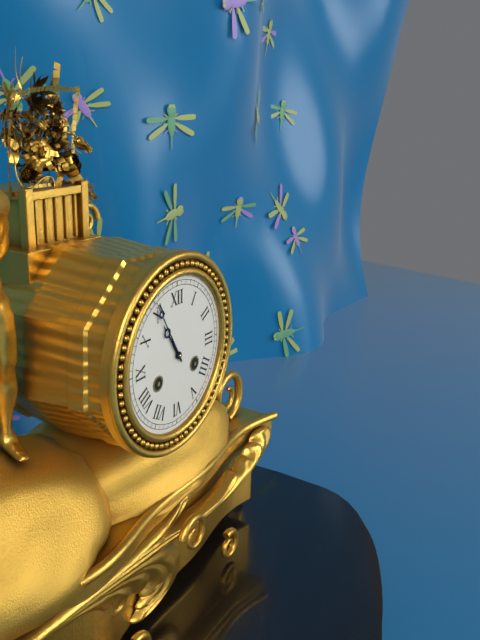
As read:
**10:55**
